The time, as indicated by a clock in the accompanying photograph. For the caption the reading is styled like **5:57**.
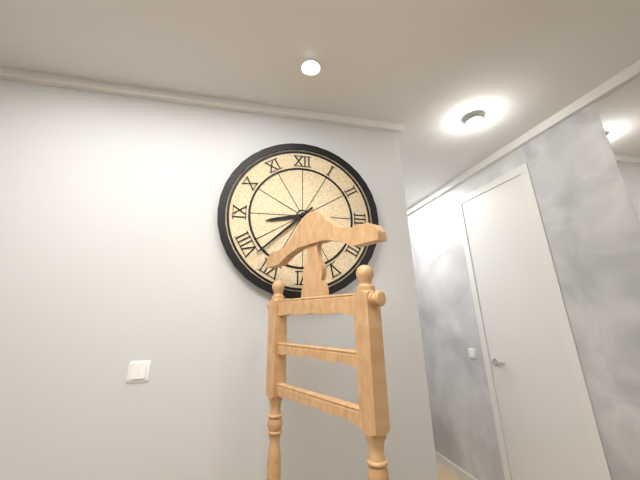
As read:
**8:38**
